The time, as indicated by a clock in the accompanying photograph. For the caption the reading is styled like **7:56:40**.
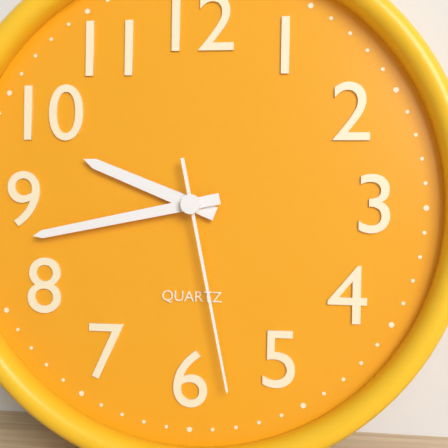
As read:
**9:43:28**
